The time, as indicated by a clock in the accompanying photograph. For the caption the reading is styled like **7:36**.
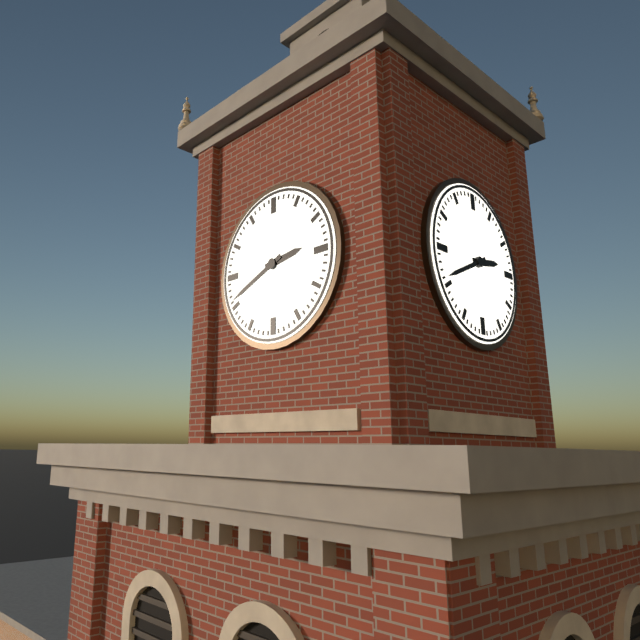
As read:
**2:41**
